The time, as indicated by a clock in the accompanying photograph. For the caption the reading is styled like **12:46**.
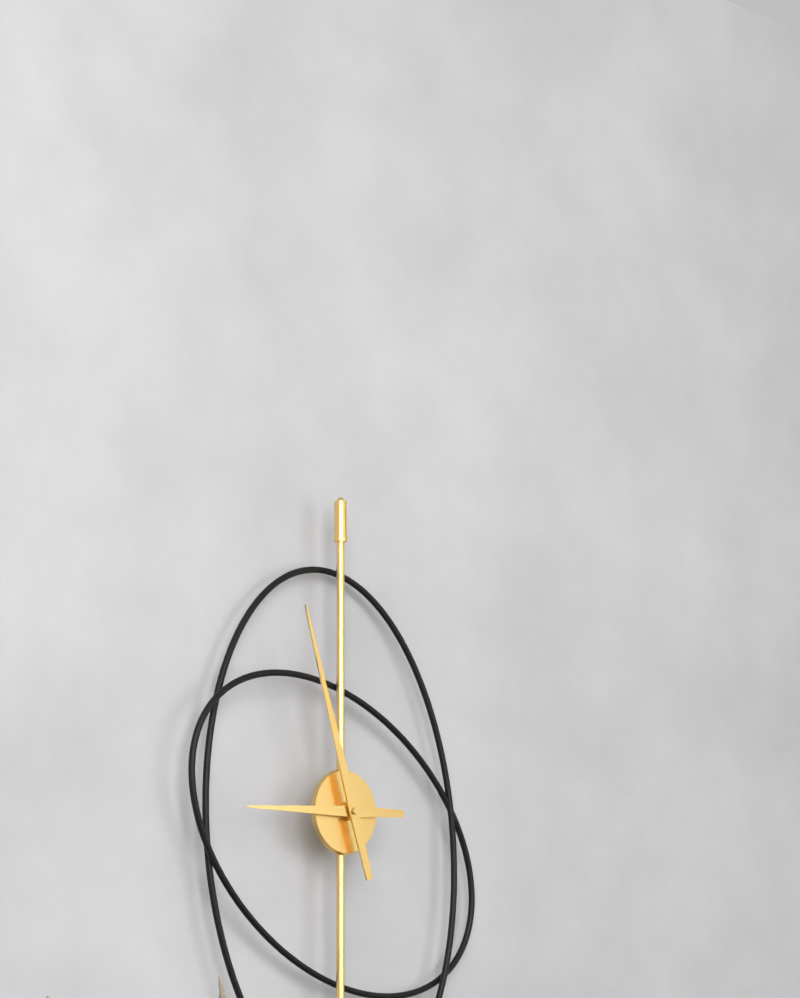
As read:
**8:57**
